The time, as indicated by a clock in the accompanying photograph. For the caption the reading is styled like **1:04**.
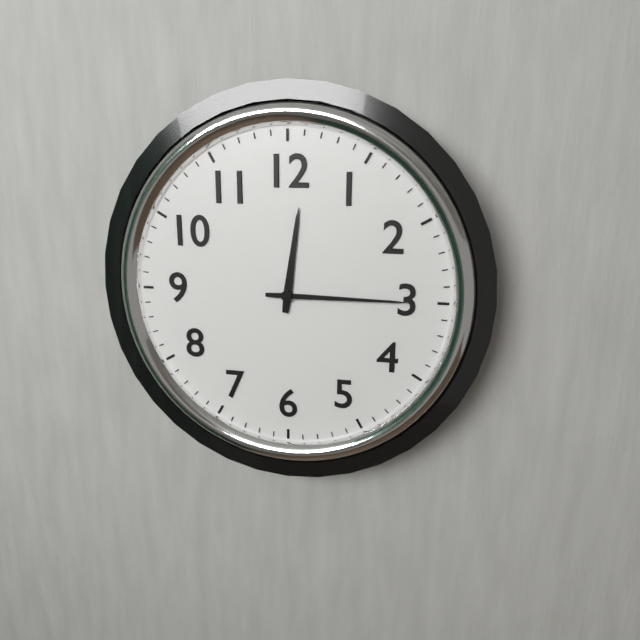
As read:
**12:15**
